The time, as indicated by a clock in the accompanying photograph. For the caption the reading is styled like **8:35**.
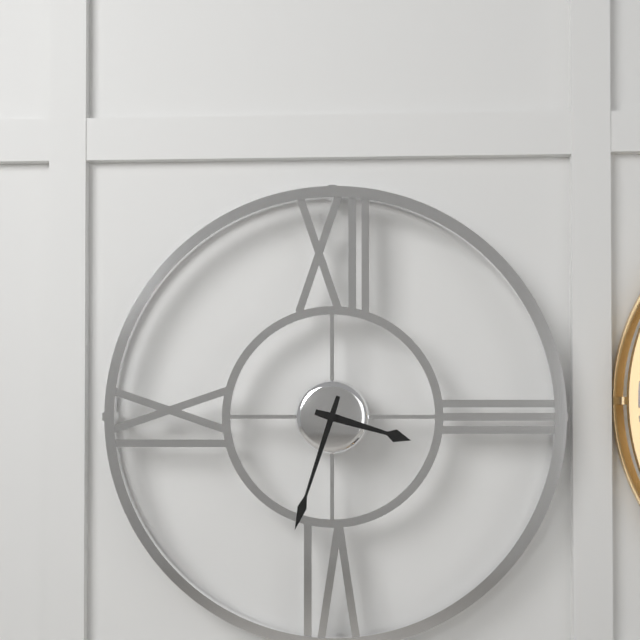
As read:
**3:33**
